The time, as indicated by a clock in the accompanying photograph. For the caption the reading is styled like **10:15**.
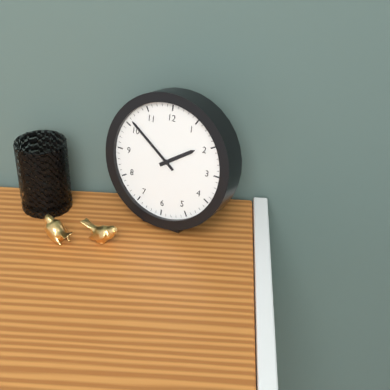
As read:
**1:51**
